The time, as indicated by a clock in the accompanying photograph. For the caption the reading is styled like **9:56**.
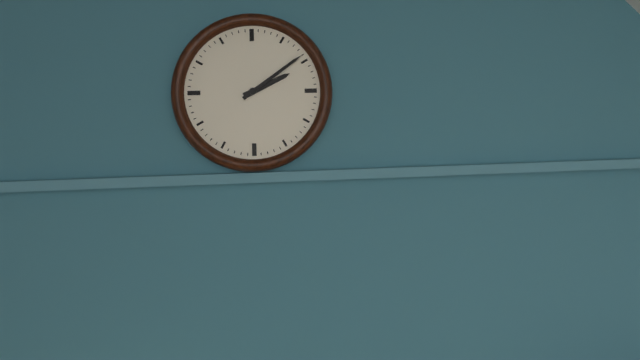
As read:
**2:09**
